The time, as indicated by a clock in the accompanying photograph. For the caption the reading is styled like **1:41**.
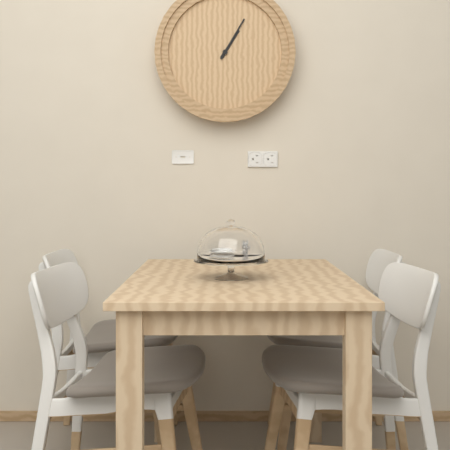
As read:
**1:05**
